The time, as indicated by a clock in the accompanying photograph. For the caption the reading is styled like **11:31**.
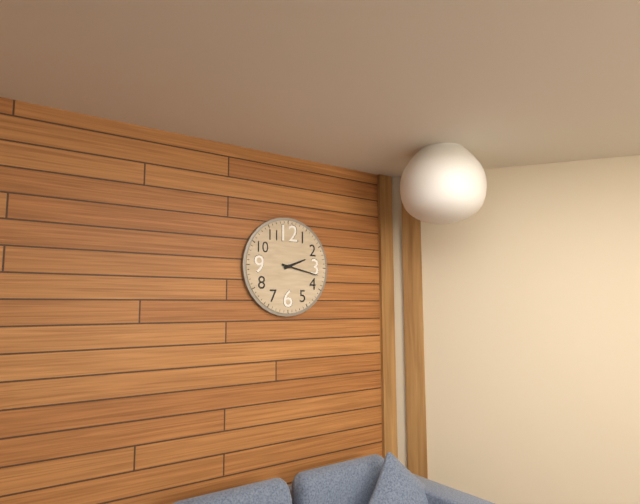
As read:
**2:17**
